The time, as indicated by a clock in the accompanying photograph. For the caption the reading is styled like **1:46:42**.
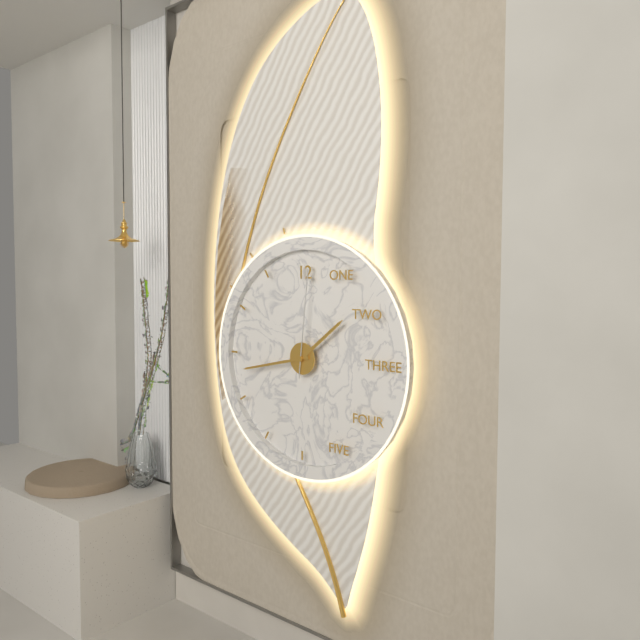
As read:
**1:43:01**
